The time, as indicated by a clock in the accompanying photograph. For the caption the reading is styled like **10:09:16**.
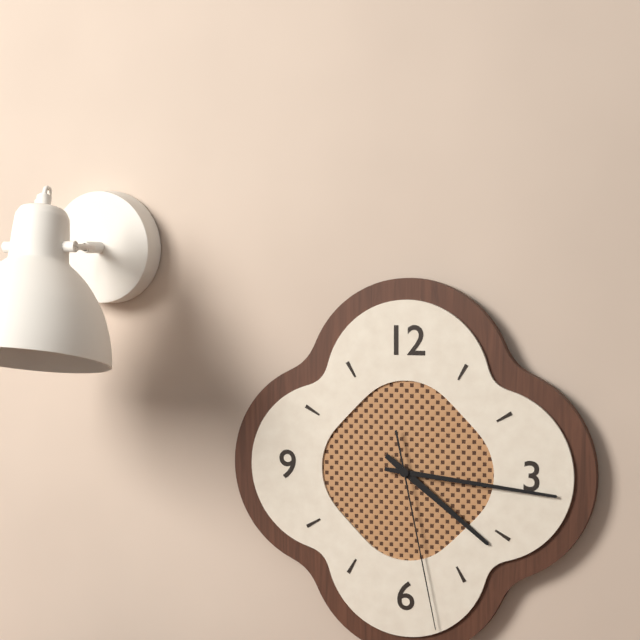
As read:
**4:16:28**
